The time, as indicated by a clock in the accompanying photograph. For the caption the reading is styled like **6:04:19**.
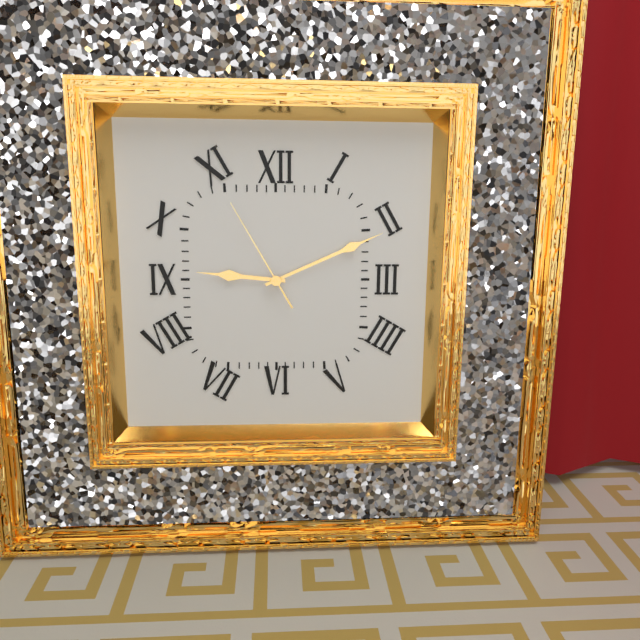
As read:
**9:11:55**
